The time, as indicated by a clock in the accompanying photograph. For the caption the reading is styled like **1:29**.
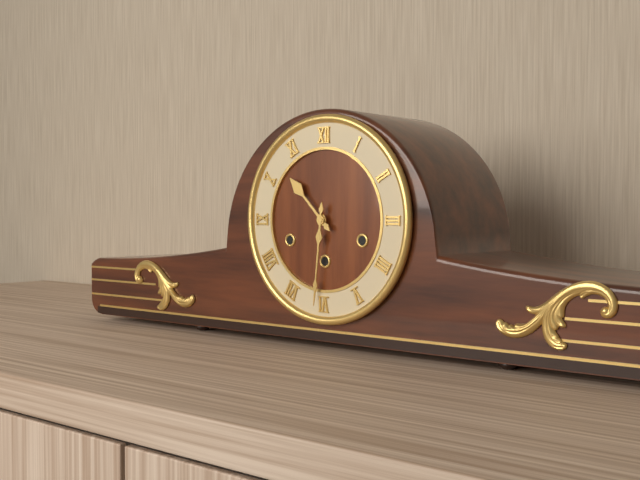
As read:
**10:31**
